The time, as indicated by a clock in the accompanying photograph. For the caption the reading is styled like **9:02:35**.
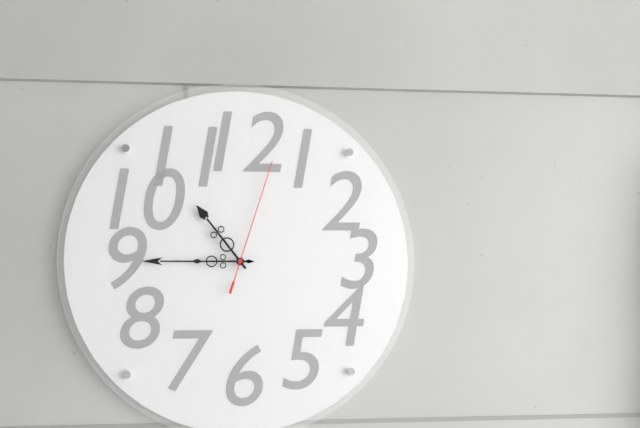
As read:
**10:45:03**
